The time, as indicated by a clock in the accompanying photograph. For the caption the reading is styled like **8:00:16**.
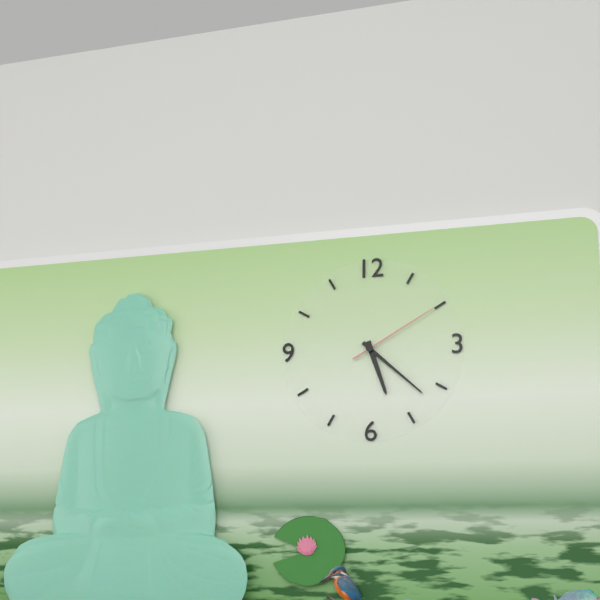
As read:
**5:22:10**
